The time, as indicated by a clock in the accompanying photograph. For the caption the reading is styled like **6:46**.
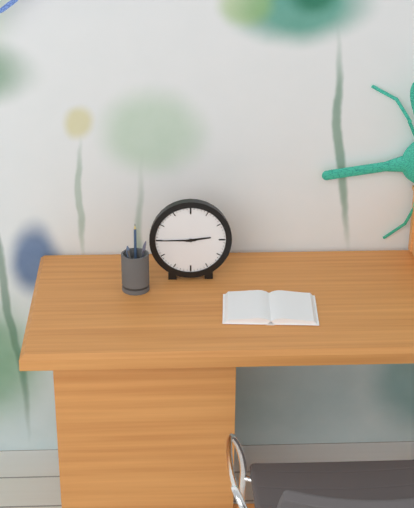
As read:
**2:45**
